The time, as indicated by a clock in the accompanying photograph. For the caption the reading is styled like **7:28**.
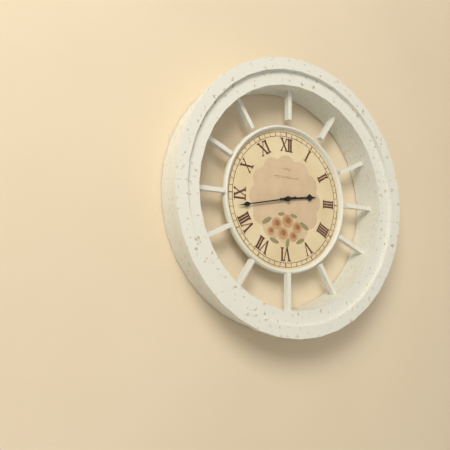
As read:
**2:43**
